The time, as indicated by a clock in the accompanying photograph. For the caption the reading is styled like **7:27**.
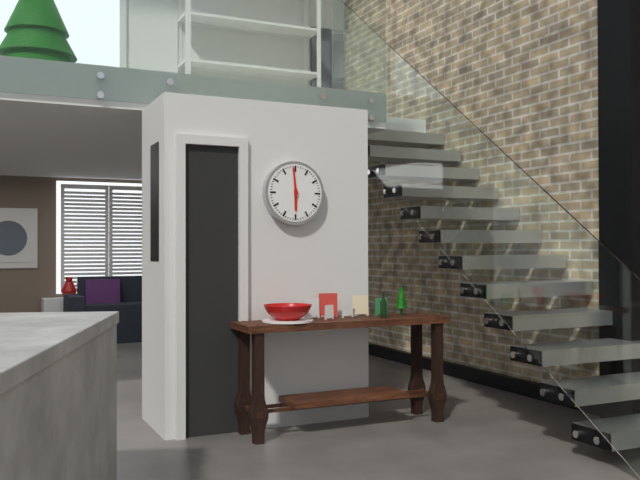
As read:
**5:59**
